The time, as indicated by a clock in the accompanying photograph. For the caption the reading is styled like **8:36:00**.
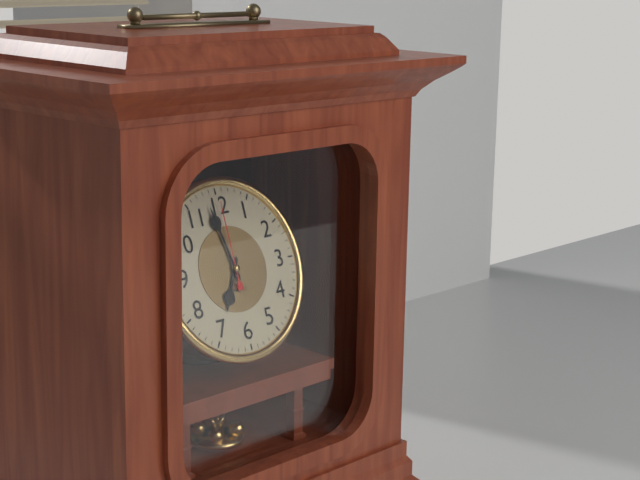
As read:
**6:58:00**
